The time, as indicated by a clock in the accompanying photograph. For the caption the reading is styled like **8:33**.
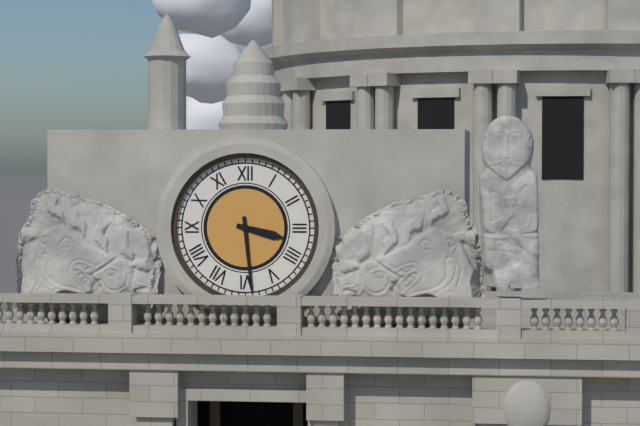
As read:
**3:29**
